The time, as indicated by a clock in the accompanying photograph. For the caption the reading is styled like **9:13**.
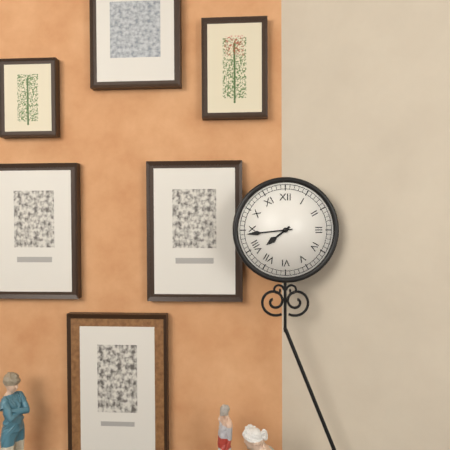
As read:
**7:44**
